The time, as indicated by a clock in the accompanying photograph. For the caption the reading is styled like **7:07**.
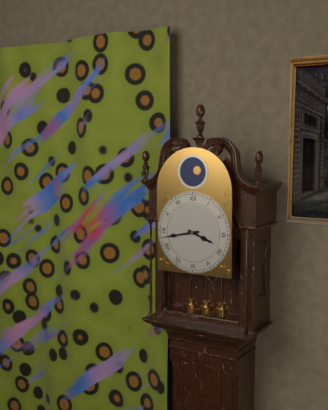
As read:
**3:43**
